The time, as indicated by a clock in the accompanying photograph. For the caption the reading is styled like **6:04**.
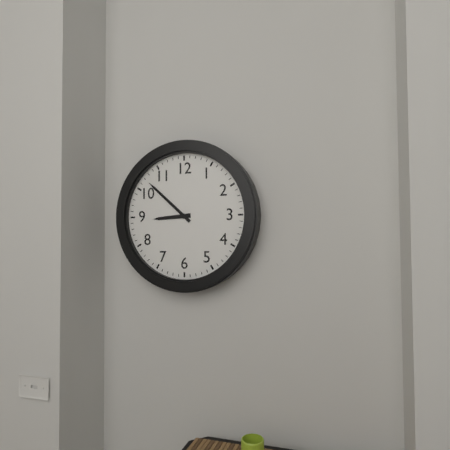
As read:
**8:52**
